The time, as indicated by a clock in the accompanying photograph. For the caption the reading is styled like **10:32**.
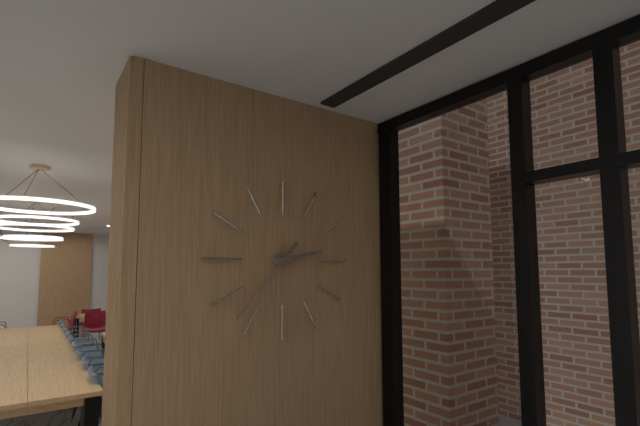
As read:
**2:37**
